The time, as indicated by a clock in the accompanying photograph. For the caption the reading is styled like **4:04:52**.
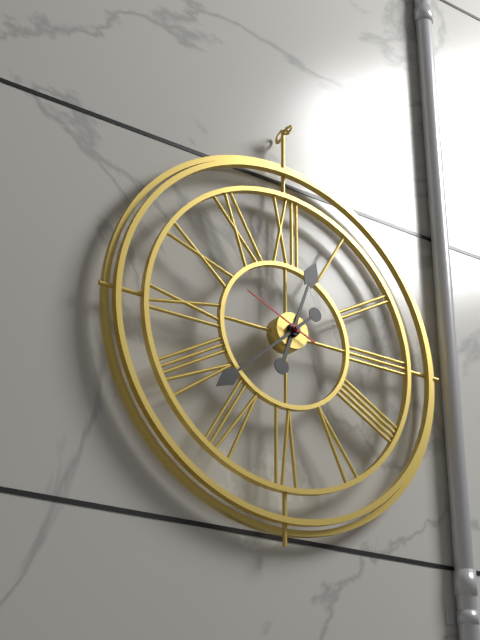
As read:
**12:38:49**
